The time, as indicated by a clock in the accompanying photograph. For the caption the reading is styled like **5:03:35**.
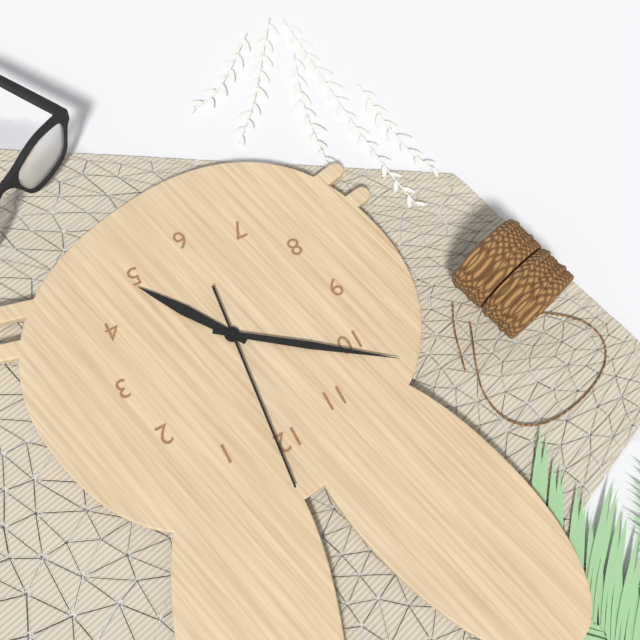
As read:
**4:51:01**
